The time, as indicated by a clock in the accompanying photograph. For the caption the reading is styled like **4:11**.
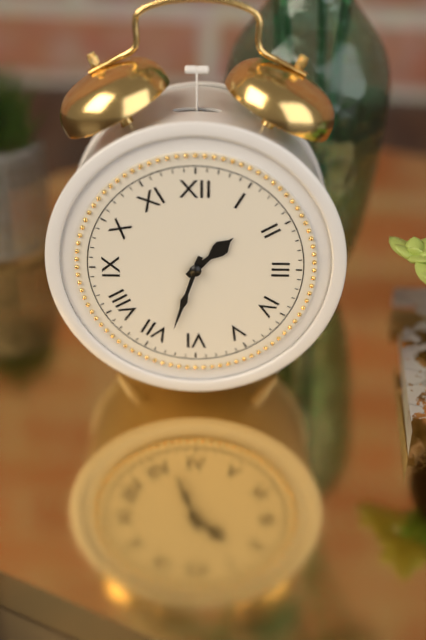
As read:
**1:33**
